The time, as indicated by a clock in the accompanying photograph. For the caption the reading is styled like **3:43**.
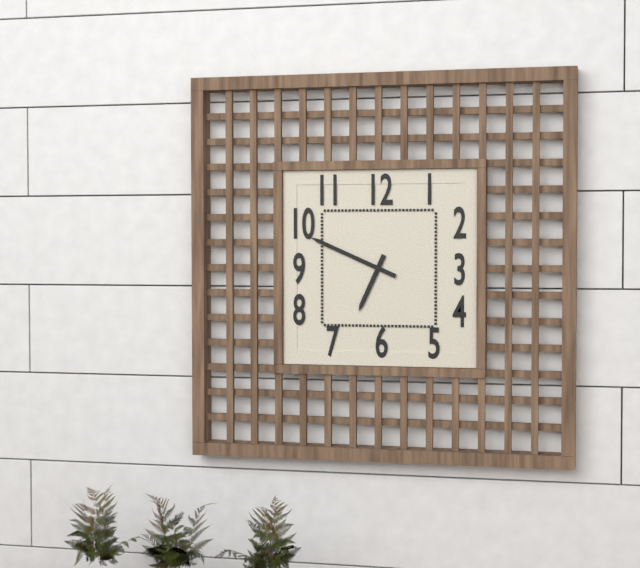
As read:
**6:49**
